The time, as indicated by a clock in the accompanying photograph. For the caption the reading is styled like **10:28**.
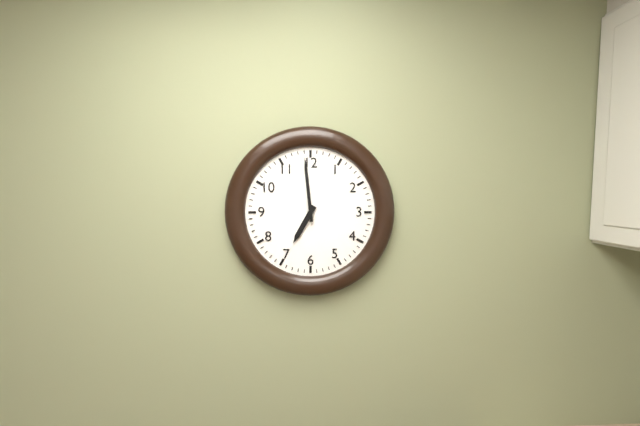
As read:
**6:59**
